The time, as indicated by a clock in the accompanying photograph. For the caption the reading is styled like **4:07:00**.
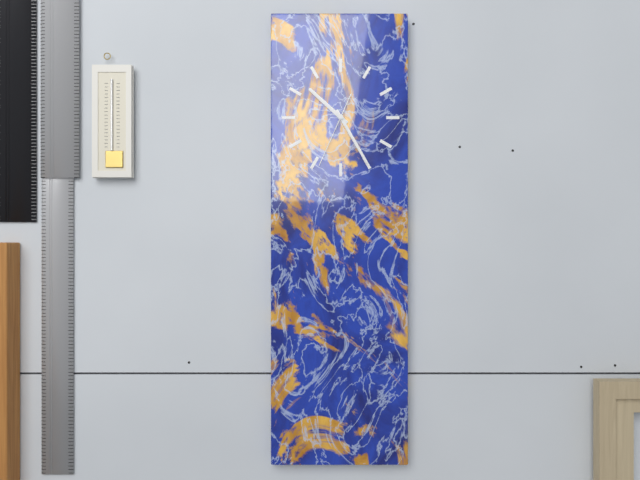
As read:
**10:25:34**
